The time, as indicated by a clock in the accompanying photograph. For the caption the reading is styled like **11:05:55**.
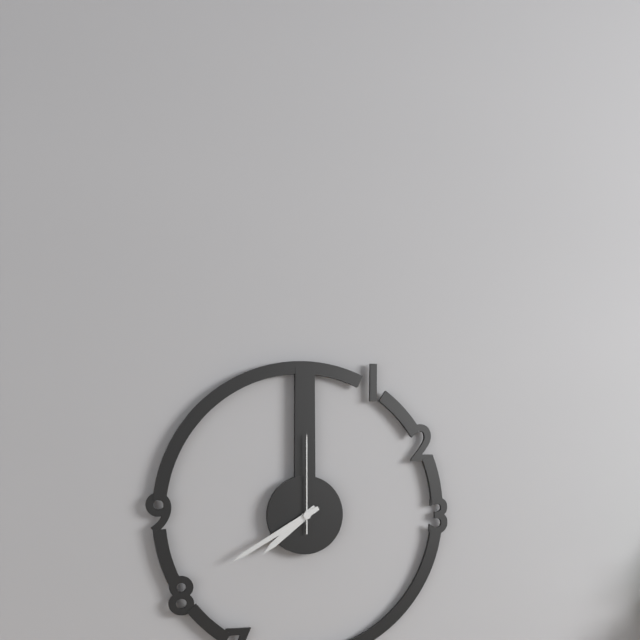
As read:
**7:40:00**
